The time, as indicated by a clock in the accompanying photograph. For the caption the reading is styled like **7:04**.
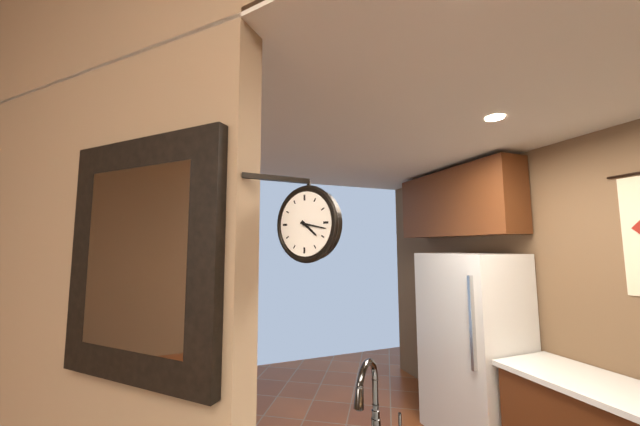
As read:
**4:17**
